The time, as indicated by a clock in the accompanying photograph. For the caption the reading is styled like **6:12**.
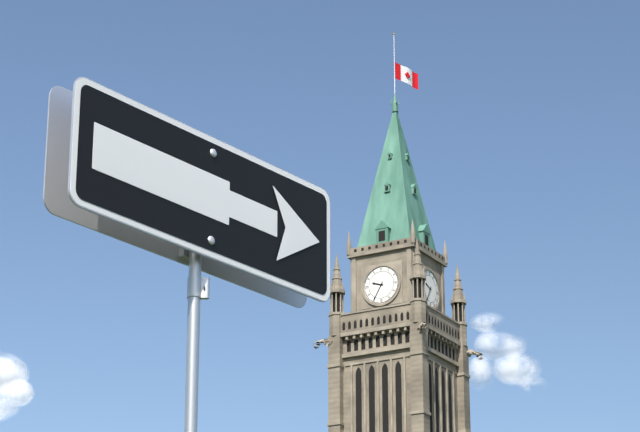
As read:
**9:35**
